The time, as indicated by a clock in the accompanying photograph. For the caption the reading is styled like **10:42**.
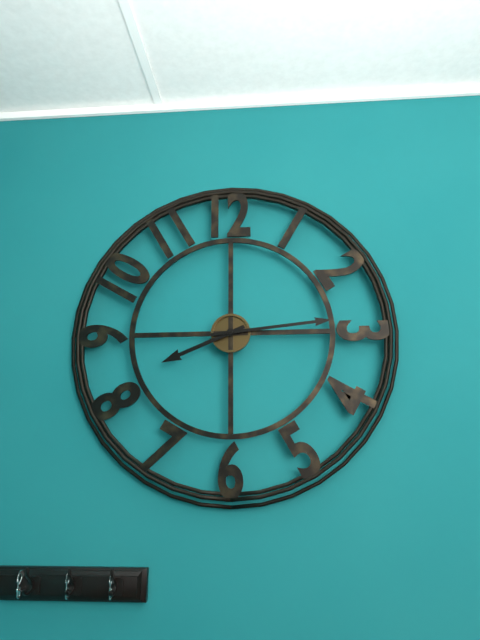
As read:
**8:14**
